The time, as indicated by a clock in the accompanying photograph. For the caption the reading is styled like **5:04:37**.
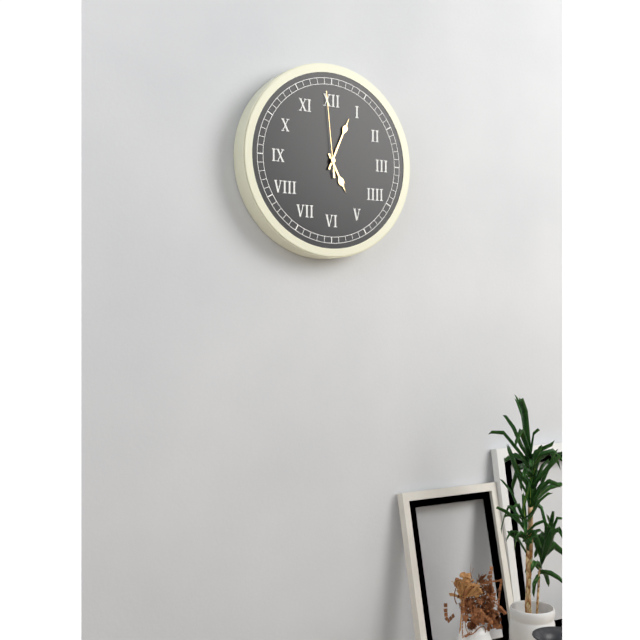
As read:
**5:04:59**
